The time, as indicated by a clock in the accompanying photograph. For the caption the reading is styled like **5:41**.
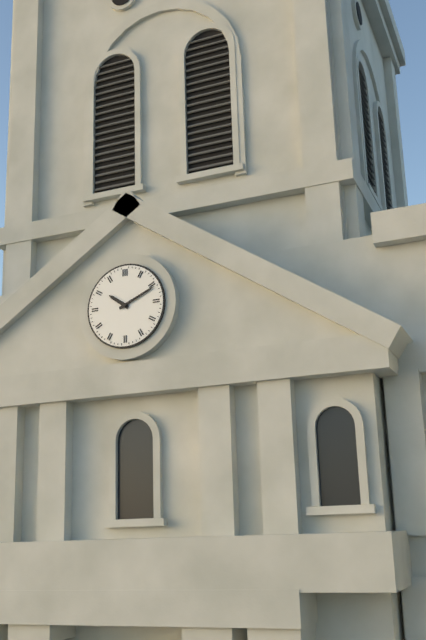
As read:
**10:11**
